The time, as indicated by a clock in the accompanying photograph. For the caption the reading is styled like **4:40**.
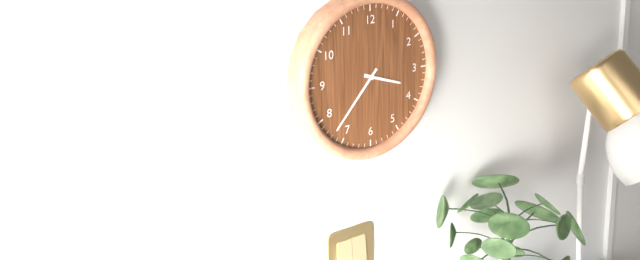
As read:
**3:37**
